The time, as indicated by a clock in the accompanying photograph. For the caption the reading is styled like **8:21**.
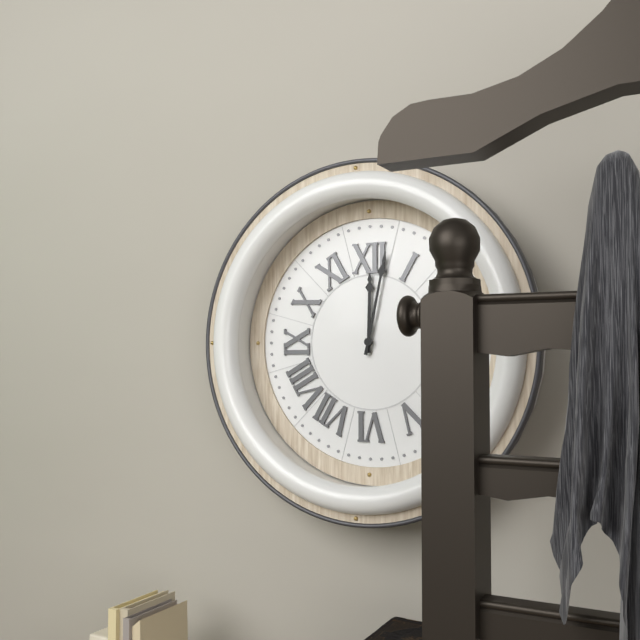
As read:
**12:02**
